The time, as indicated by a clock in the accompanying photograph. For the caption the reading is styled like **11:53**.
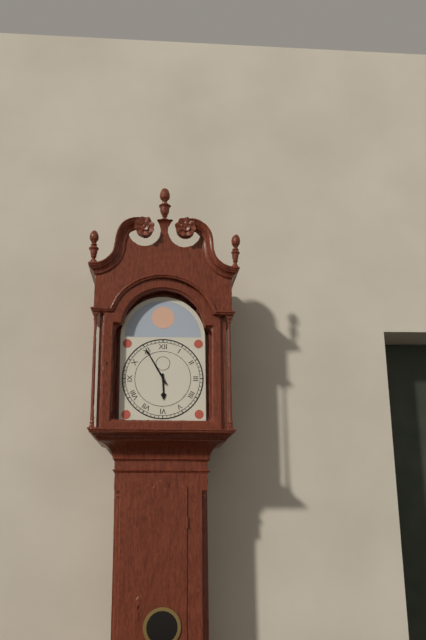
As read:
**5:55**
